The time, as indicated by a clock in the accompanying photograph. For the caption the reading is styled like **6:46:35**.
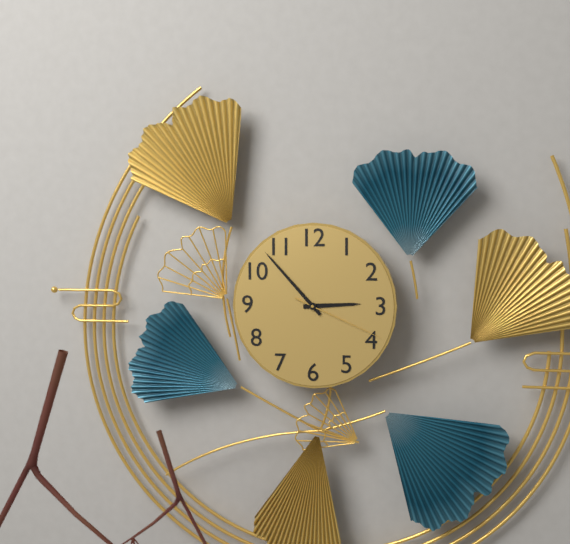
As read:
**2:53:19**
